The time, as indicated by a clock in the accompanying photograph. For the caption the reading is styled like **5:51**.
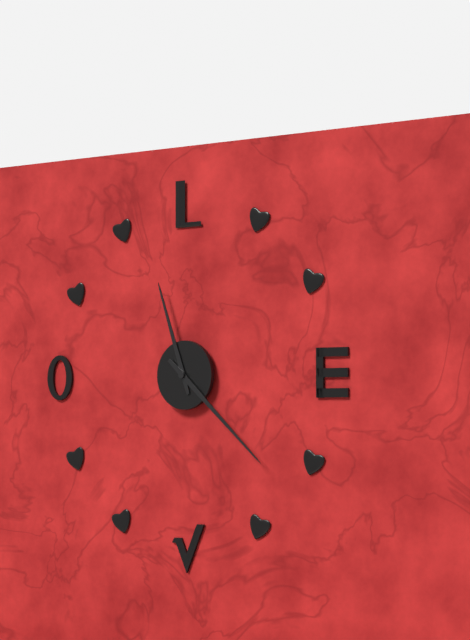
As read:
**11:22**
